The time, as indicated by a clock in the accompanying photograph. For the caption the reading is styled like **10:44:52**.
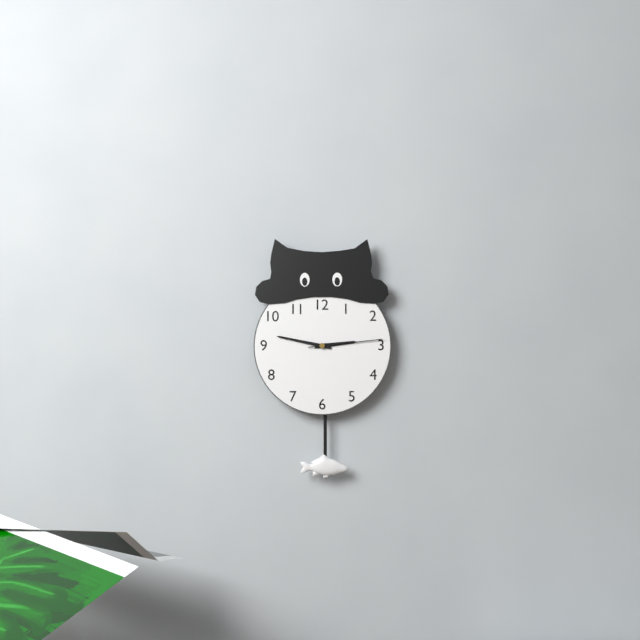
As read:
**2:47:14**
